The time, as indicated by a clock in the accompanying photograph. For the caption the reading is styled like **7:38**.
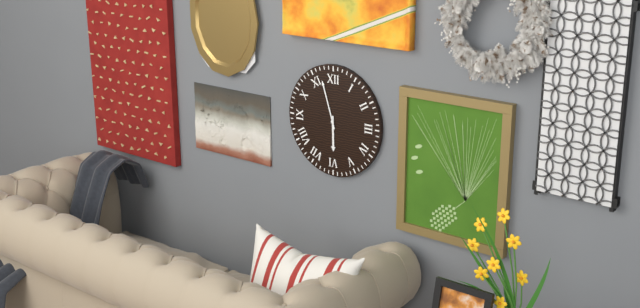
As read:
**5:57**
